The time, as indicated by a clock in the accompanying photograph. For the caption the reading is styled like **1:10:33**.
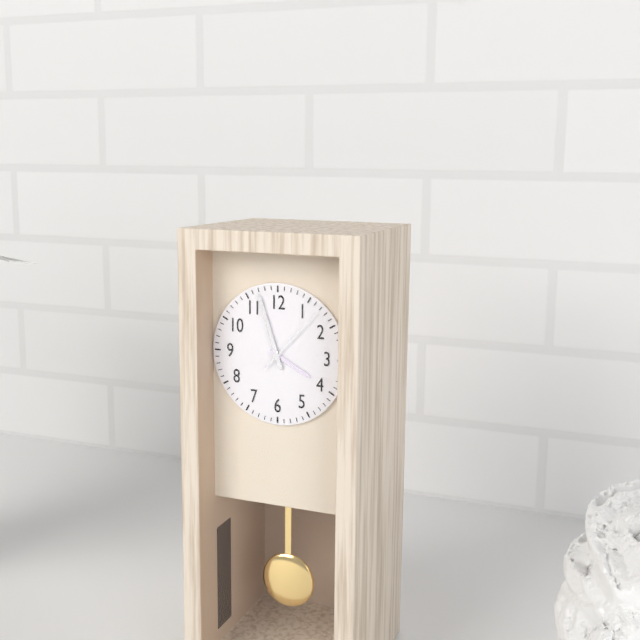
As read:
**3:57:07**
